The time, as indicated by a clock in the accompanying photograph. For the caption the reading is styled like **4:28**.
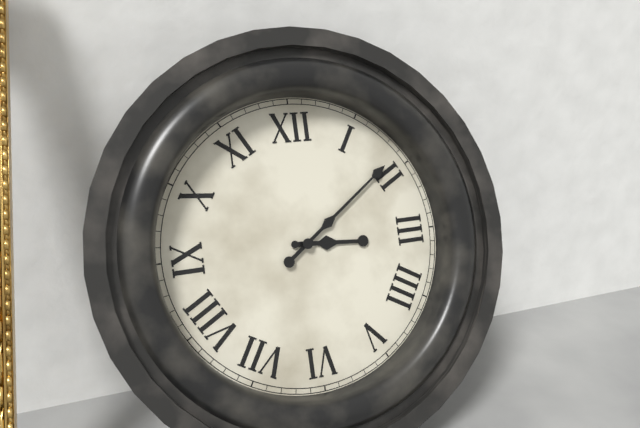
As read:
**3:09**
